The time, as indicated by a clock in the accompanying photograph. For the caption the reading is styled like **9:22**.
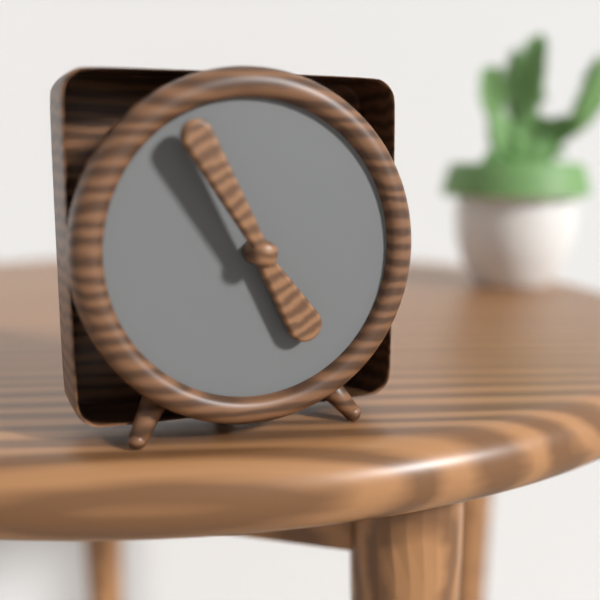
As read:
**4:55**
